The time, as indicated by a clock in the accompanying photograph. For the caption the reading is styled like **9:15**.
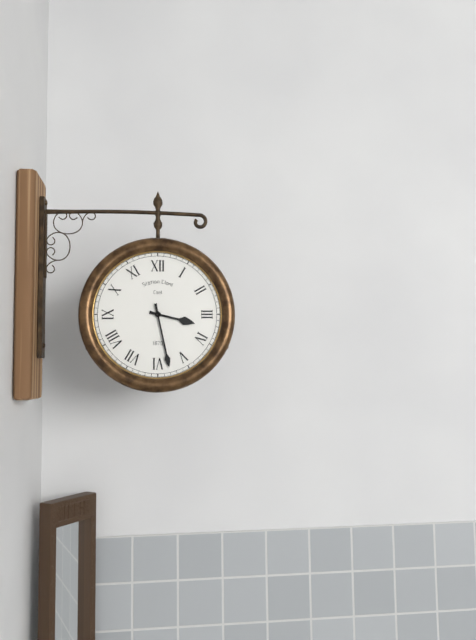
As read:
**3:28**
